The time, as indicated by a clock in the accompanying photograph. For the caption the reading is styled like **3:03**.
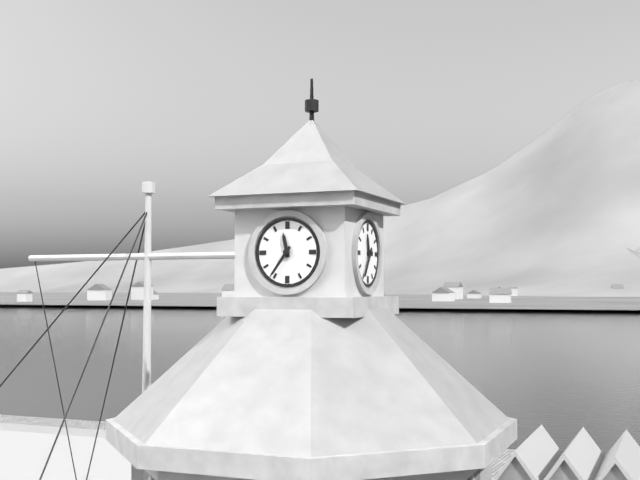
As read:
**11:36**
